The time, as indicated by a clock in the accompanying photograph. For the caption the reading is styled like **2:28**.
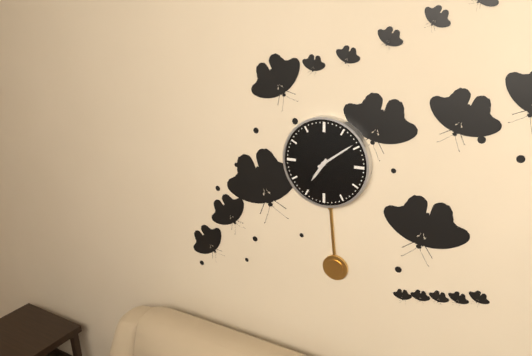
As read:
**7:09**
